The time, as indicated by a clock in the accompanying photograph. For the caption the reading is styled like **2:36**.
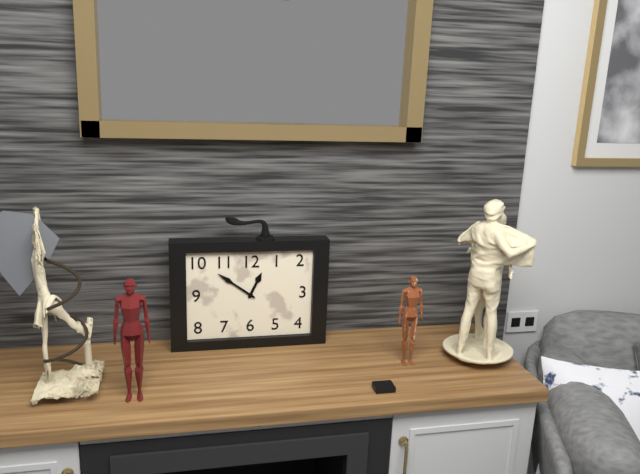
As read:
**12:51**
